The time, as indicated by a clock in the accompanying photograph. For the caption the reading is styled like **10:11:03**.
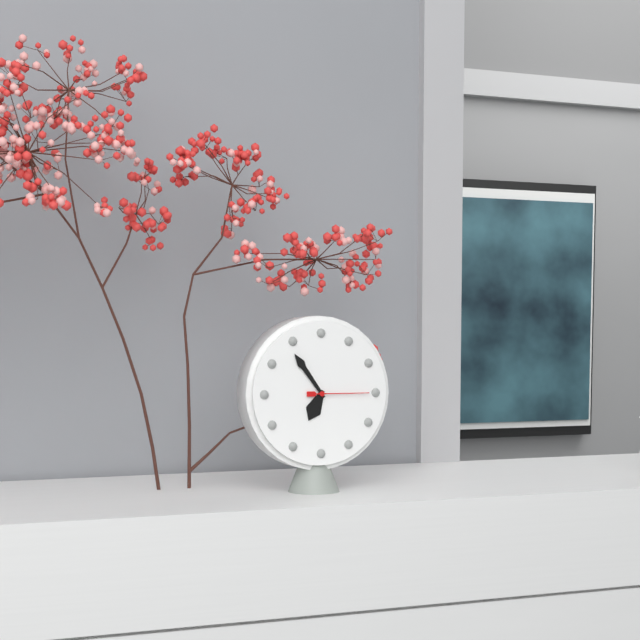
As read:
**6:54:15**
